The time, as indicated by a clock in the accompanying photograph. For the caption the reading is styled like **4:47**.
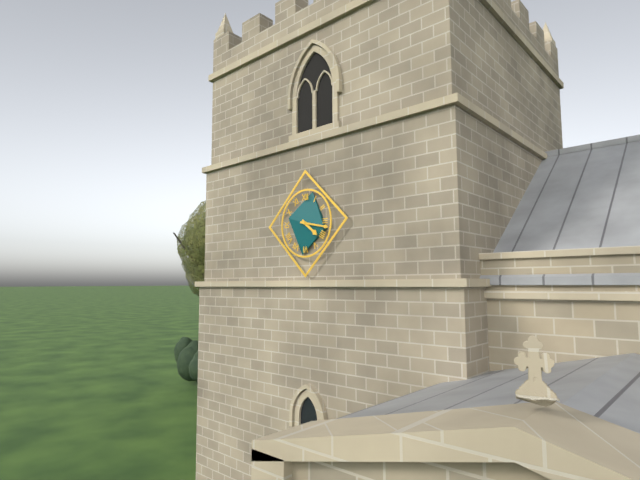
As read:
**4:17**
